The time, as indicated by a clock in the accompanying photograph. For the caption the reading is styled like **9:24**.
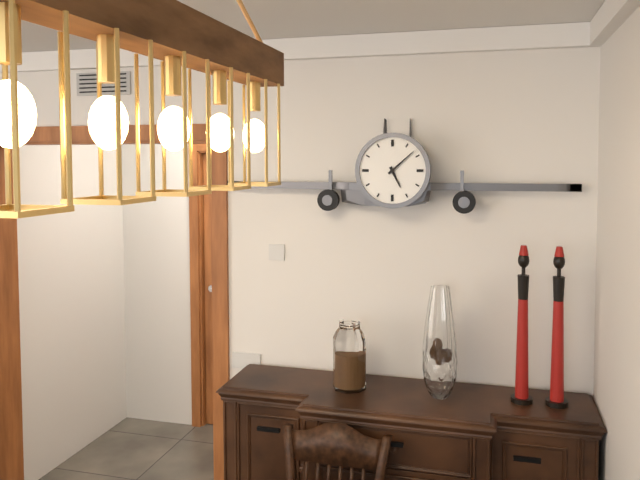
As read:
**5:08**
